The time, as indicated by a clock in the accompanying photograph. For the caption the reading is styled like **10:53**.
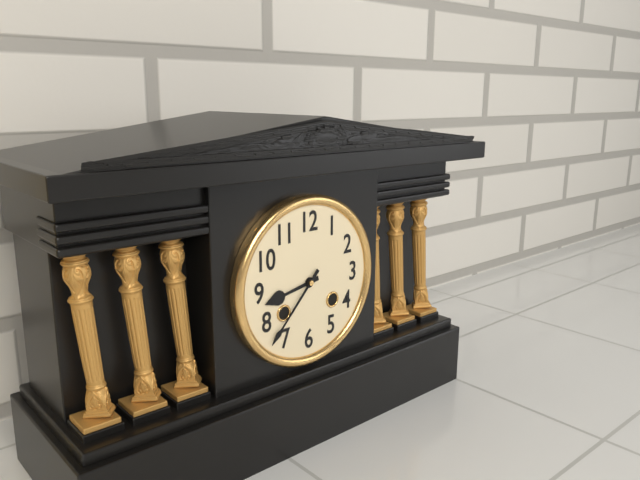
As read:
**8:37**
